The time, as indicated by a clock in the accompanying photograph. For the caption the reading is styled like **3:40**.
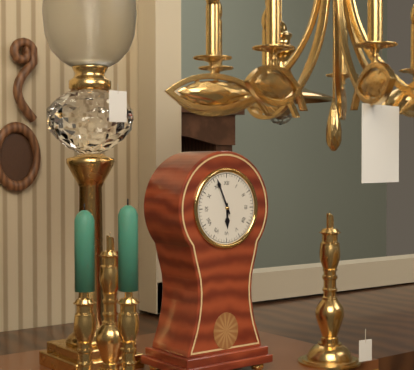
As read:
**5:56**
